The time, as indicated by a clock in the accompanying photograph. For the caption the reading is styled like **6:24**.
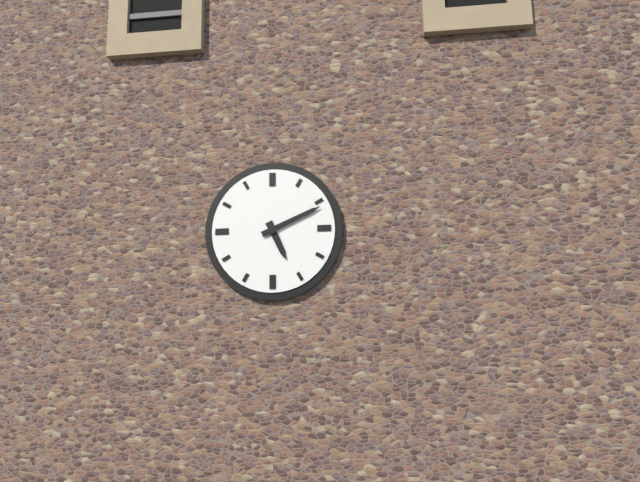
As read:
**5:11**
